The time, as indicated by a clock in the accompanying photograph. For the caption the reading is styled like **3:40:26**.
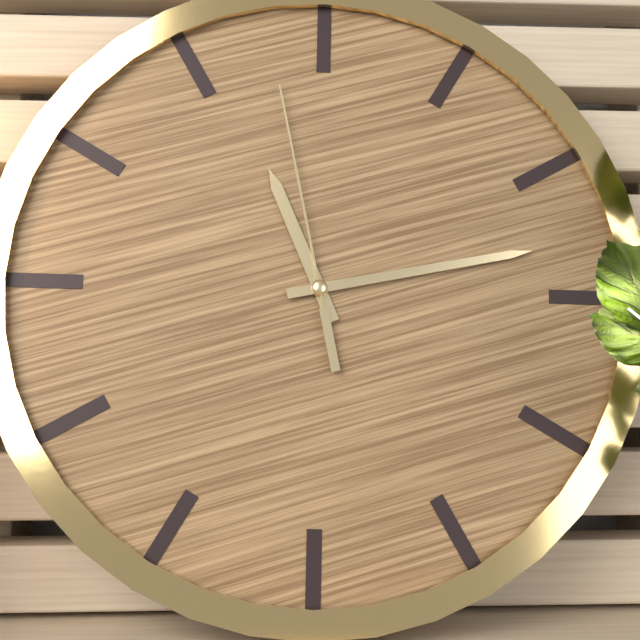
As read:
**11:13:58**
